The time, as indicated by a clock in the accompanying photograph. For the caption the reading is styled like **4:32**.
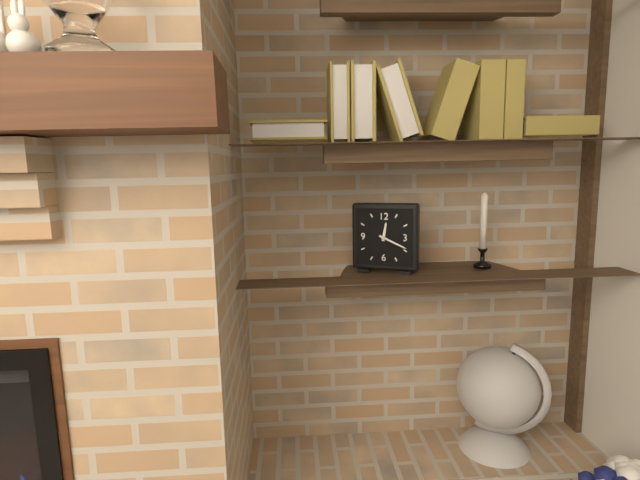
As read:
**12:19**
